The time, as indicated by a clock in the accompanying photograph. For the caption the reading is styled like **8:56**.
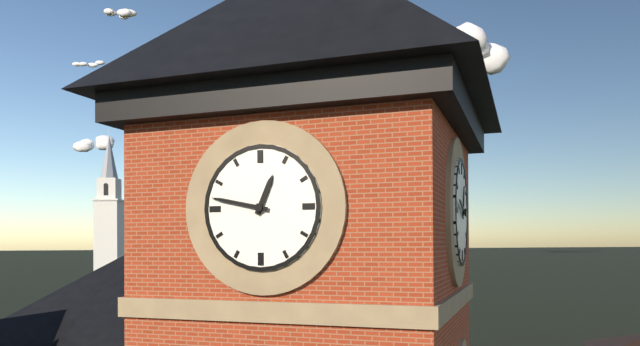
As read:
**12:47**
